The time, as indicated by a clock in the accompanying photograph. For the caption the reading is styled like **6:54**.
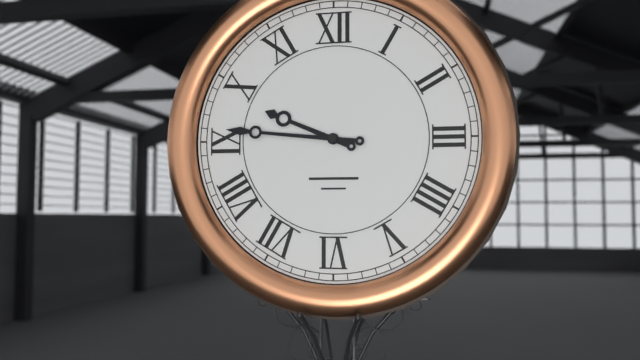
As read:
**9:46**
